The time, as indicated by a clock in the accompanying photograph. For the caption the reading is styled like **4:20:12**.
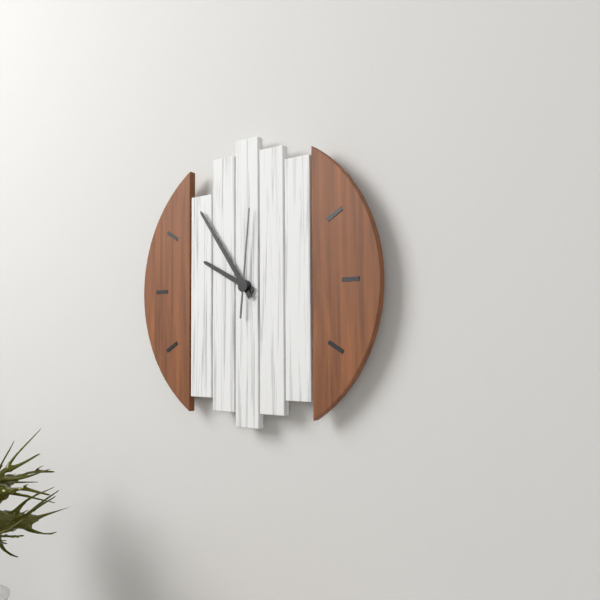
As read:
**9:54:01**
